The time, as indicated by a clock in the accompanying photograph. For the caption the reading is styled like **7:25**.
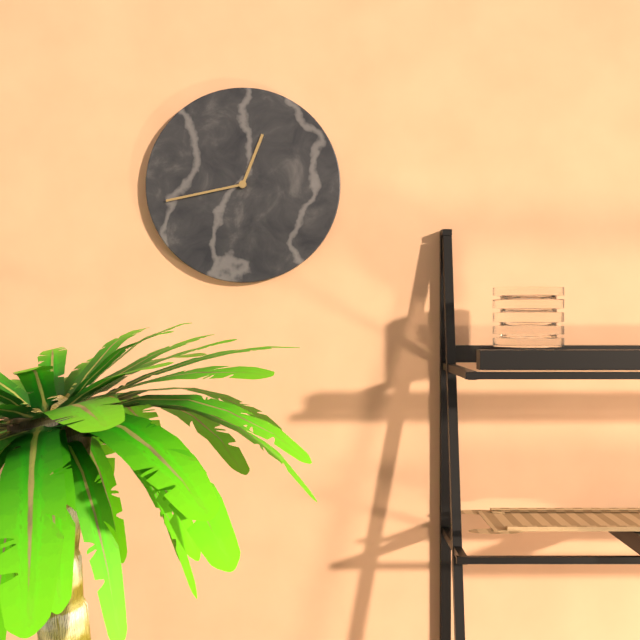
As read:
**12:43**
